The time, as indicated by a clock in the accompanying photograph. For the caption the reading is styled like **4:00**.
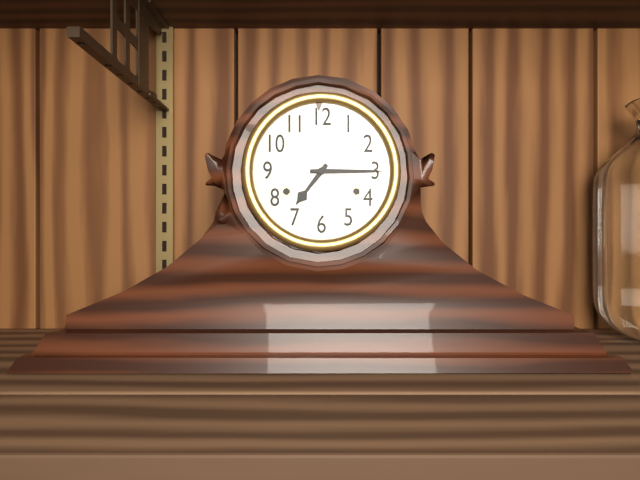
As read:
**7:15**
